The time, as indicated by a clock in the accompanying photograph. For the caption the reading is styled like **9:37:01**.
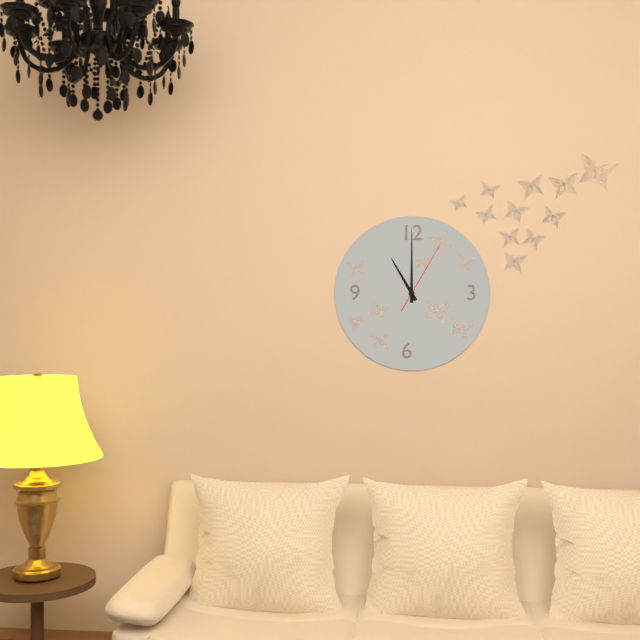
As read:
**11:00:05**
